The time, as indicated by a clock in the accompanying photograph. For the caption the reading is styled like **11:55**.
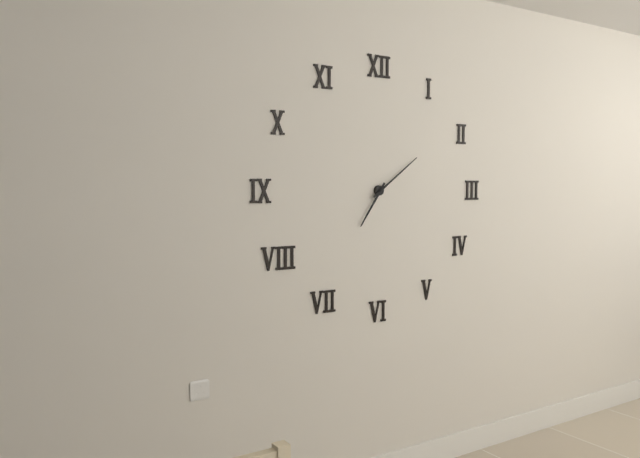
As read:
**7:09**
